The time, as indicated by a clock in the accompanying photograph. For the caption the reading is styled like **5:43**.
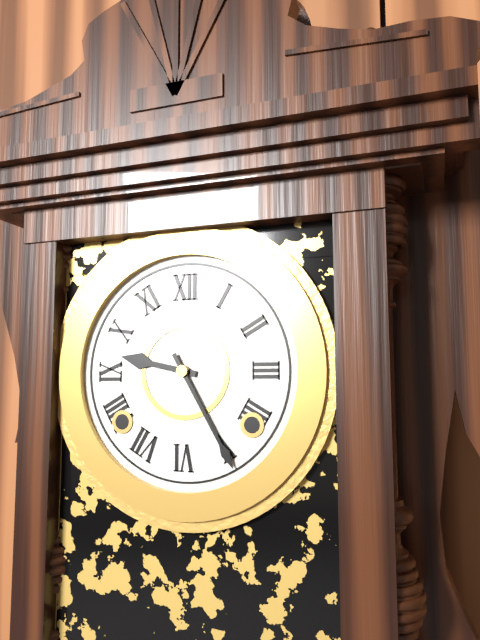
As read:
**9:25**
